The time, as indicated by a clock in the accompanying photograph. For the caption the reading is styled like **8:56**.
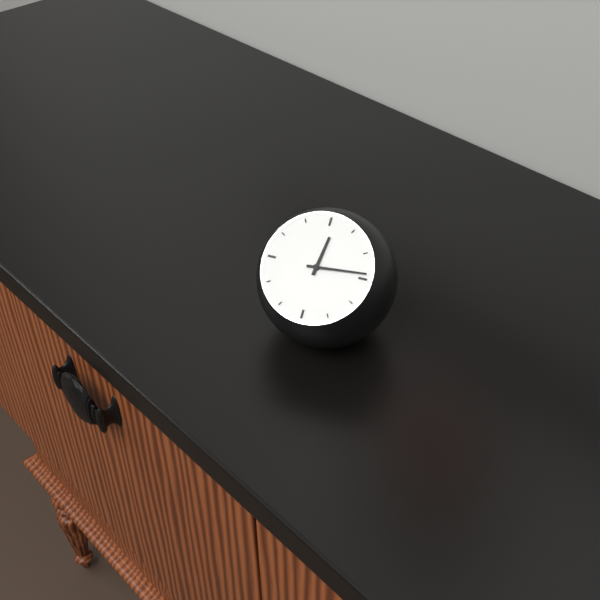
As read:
**12:14**
